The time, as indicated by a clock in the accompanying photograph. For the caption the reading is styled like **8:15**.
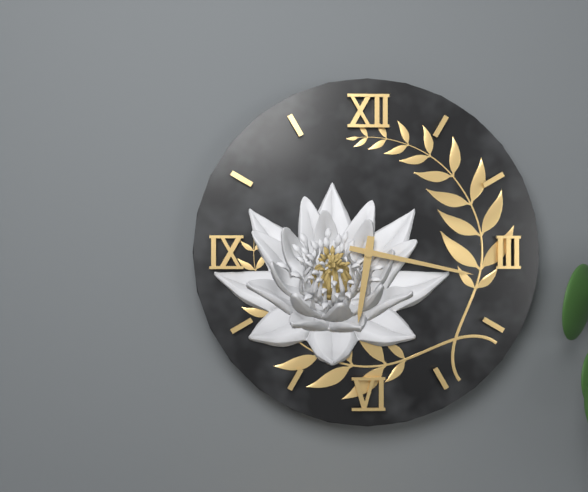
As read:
**6:17**
